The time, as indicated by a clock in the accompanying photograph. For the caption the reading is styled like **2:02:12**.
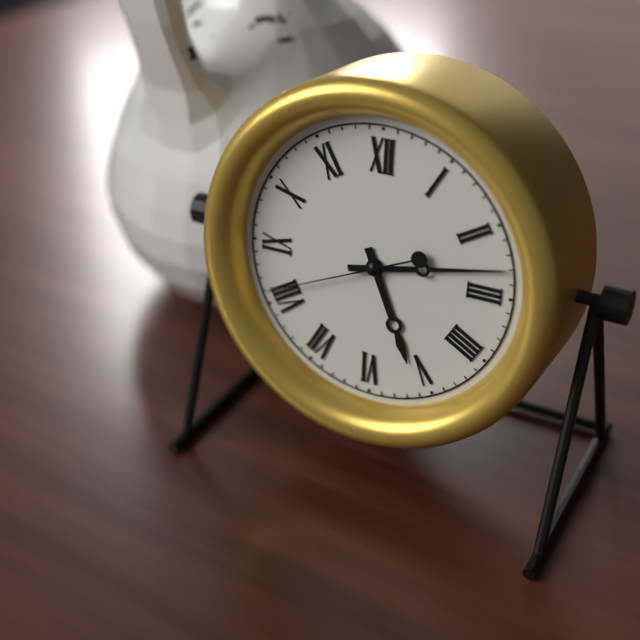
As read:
**5:13:41**
